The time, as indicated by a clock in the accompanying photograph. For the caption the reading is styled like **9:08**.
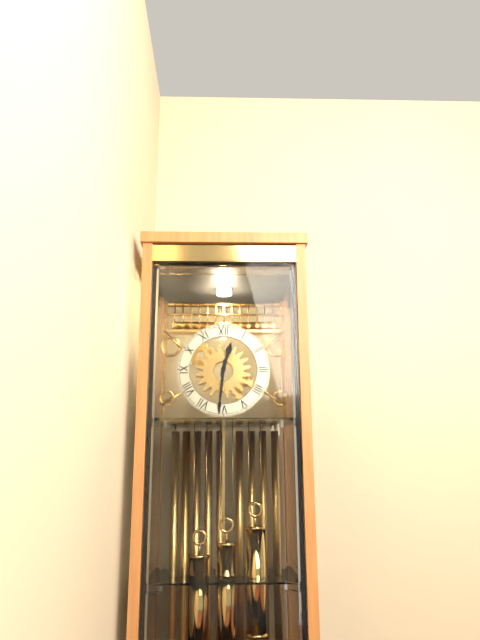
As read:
**12:31**
